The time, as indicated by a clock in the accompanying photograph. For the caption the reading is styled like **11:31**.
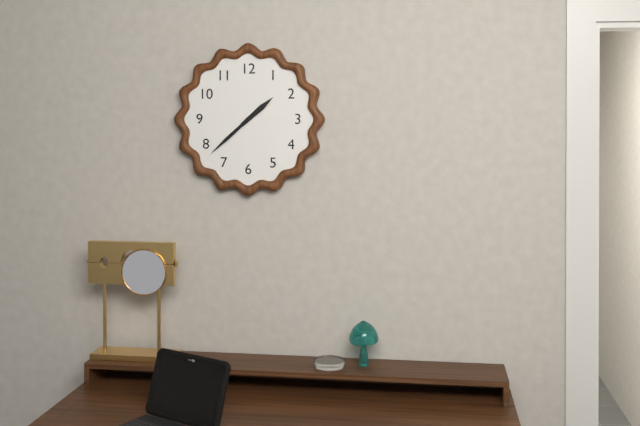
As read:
**1:38**
